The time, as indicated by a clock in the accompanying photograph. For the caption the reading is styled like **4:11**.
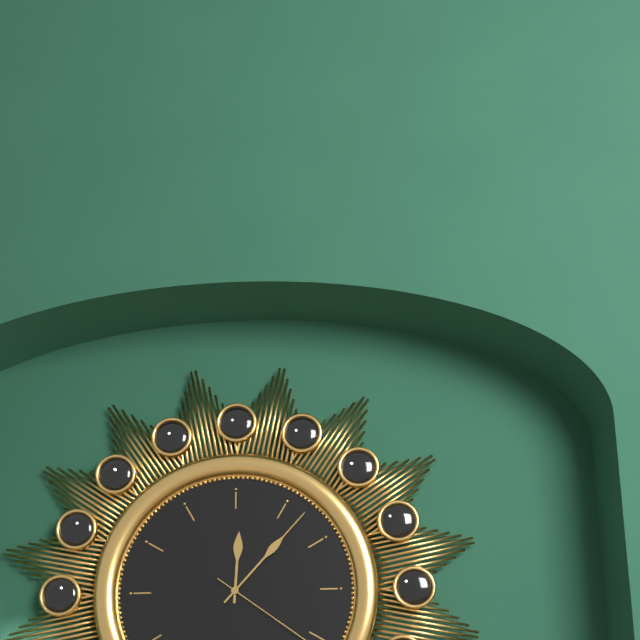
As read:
**12:07**
